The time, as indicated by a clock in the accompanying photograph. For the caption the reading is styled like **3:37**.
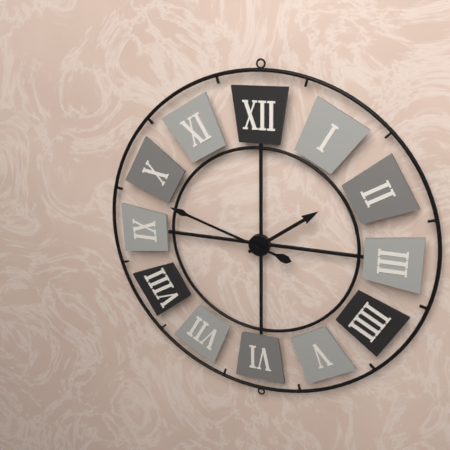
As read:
**1:48**
